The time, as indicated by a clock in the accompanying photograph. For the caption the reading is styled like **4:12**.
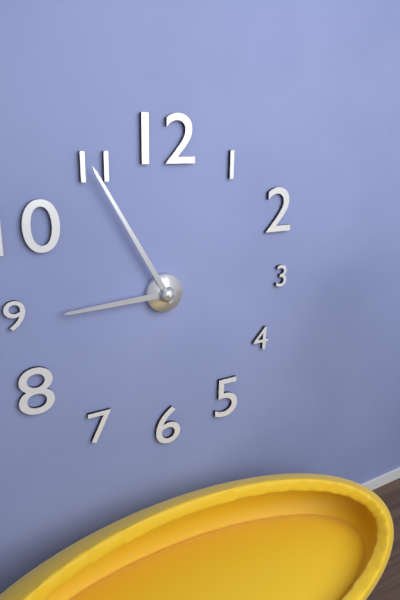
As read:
**8:55**
